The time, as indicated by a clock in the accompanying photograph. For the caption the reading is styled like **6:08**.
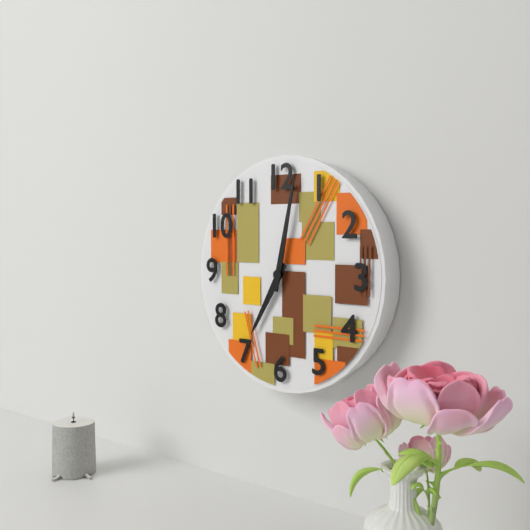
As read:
**7:02**
